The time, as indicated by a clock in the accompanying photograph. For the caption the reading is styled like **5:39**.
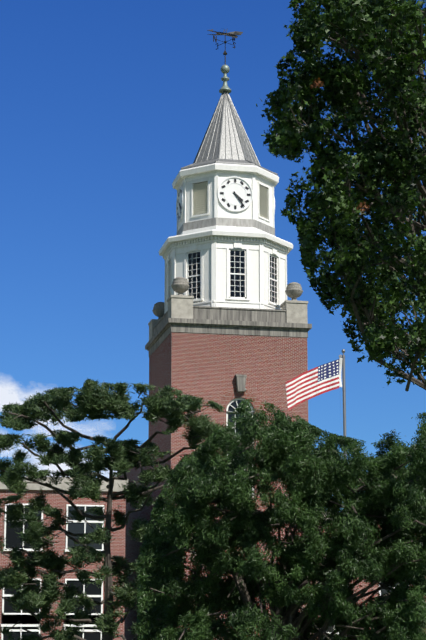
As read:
**4:24**
